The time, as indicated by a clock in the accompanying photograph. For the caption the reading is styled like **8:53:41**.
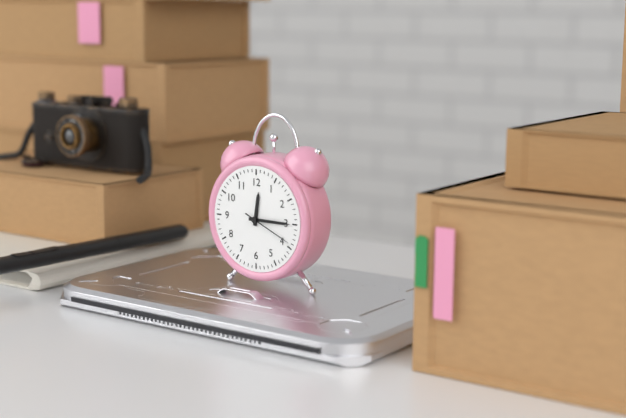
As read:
**12:15:19**
